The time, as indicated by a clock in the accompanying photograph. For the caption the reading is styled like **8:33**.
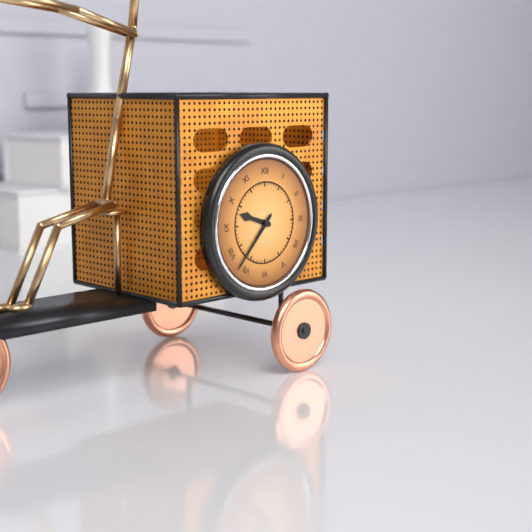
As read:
**9:37**
